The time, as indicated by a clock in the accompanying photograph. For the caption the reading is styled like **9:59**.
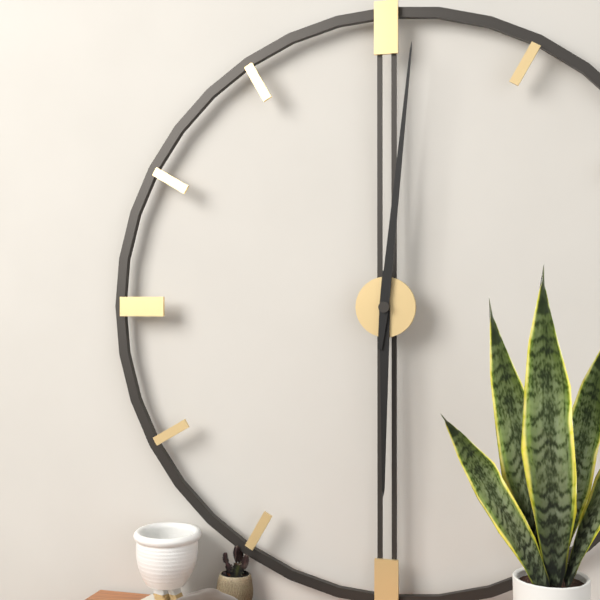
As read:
**6:01**
